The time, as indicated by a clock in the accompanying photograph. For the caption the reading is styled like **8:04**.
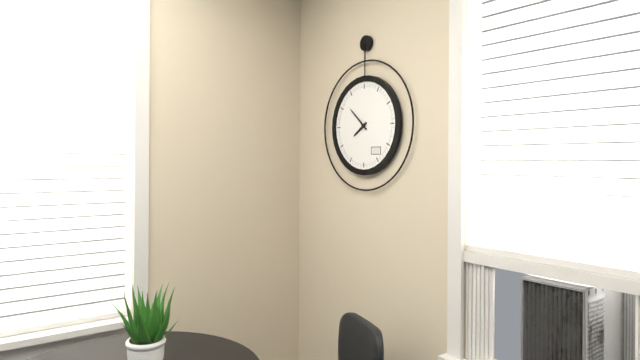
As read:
**7:52**
